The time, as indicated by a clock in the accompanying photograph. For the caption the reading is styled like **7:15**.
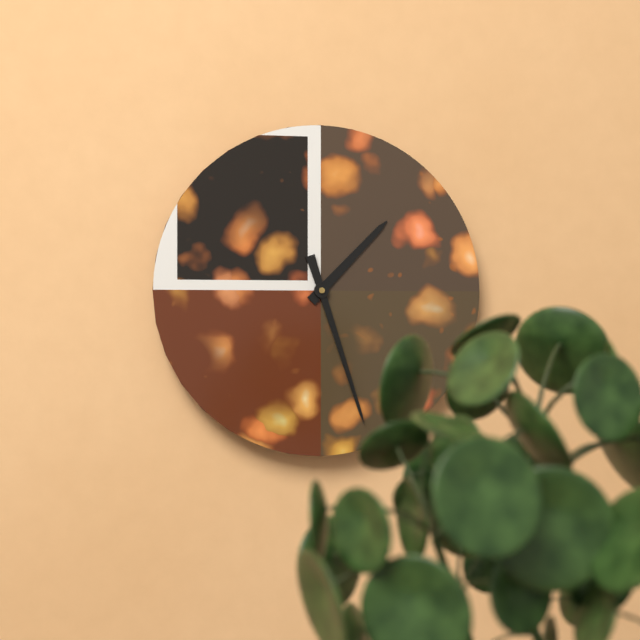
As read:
**1:27**
